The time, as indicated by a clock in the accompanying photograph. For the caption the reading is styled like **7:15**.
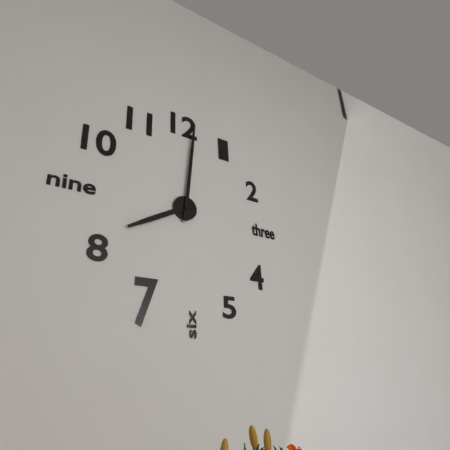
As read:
**8:01**
